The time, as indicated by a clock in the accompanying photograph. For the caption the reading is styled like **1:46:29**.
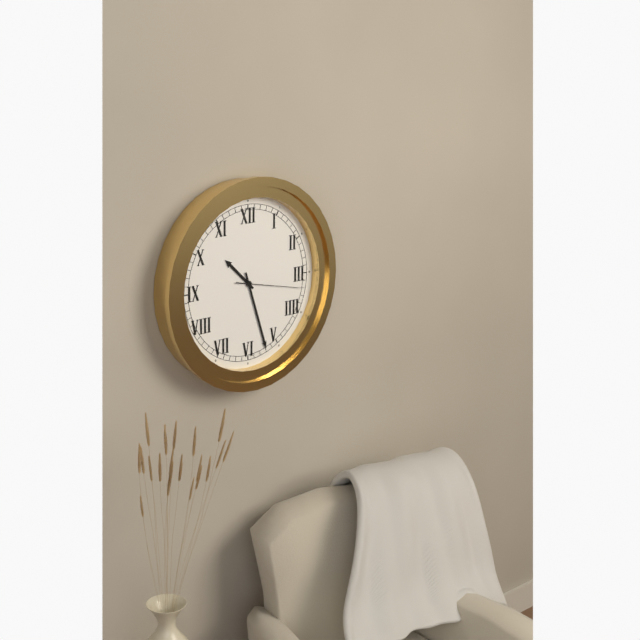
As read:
**10:27:17**
